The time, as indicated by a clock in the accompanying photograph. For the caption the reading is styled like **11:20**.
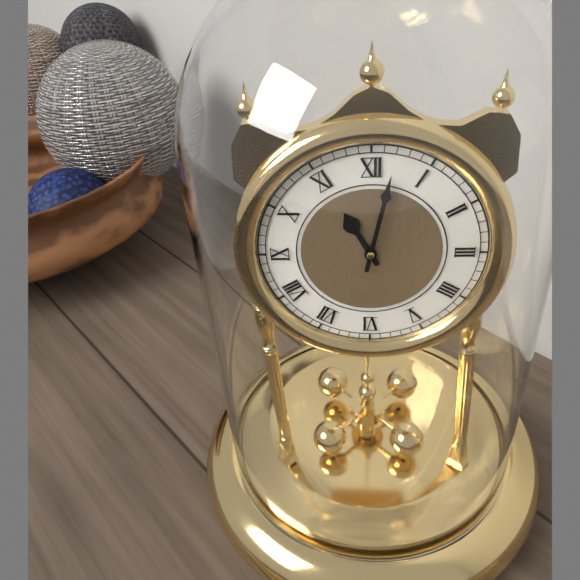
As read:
**11:02**
